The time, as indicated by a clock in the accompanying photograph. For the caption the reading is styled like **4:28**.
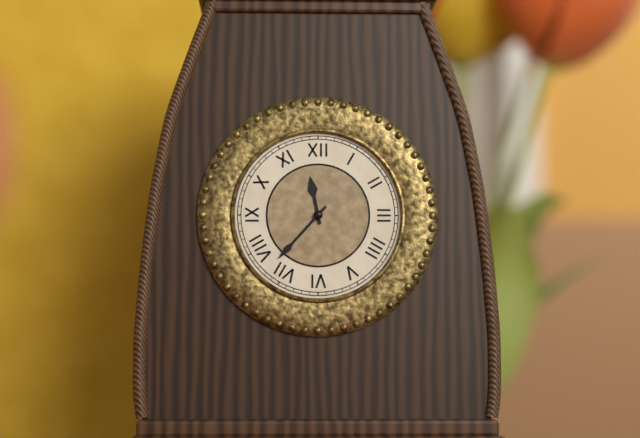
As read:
**11:37**
